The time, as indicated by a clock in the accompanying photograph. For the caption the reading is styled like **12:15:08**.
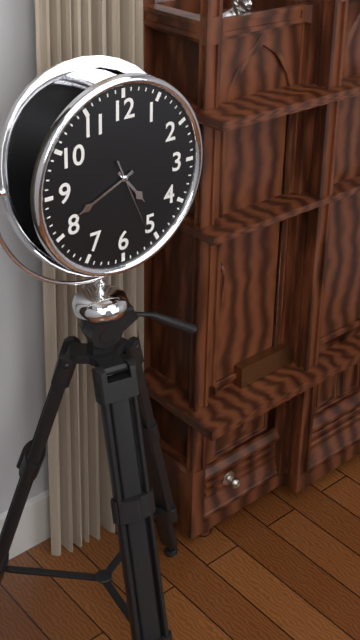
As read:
**4:41:26**
